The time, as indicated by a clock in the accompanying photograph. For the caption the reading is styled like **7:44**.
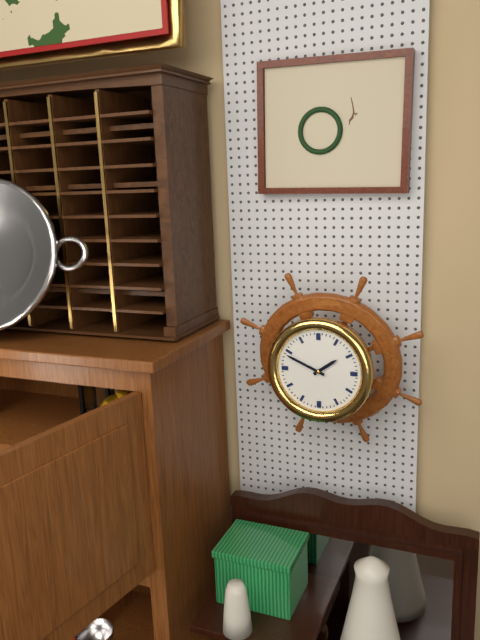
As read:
**1:49**
